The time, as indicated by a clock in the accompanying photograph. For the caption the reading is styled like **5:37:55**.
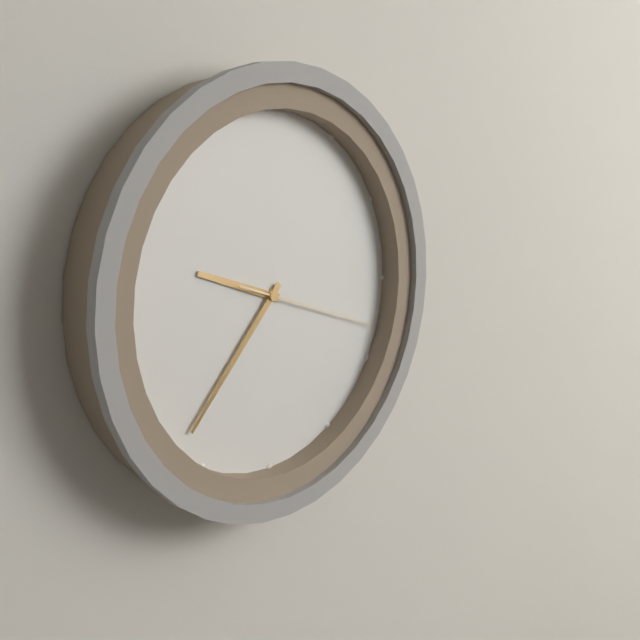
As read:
**9:37:18**
